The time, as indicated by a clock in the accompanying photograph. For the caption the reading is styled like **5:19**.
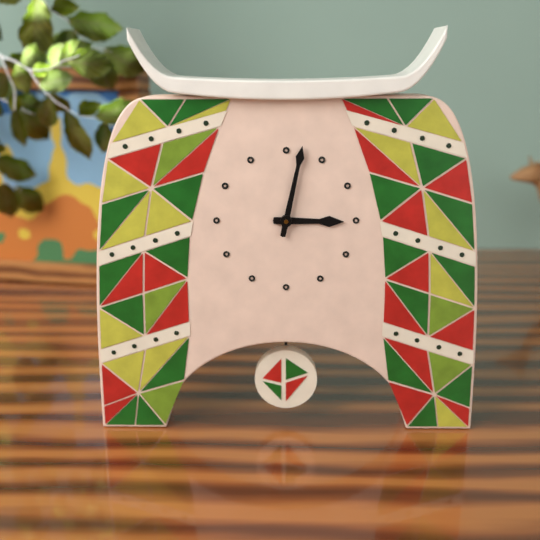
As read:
**3:02**
